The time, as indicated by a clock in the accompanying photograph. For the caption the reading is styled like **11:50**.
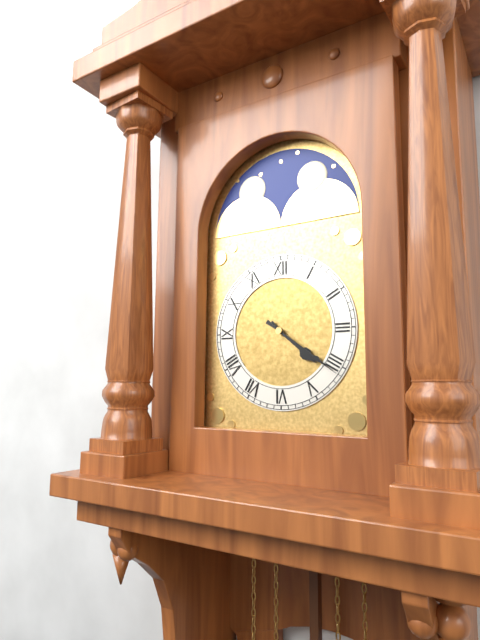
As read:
**4:21**
